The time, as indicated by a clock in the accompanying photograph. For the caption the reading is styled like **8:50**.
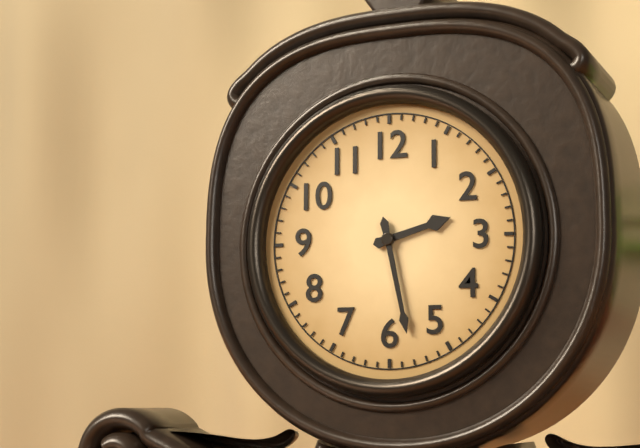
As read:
**2:28**
